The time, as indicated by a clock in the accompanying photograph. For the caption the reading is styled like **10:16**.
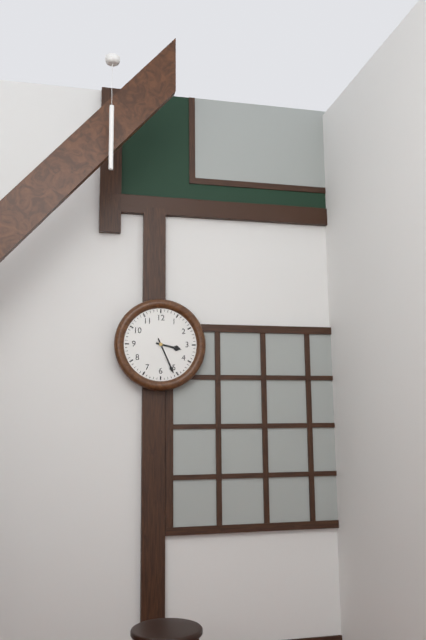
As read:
**3:26**
